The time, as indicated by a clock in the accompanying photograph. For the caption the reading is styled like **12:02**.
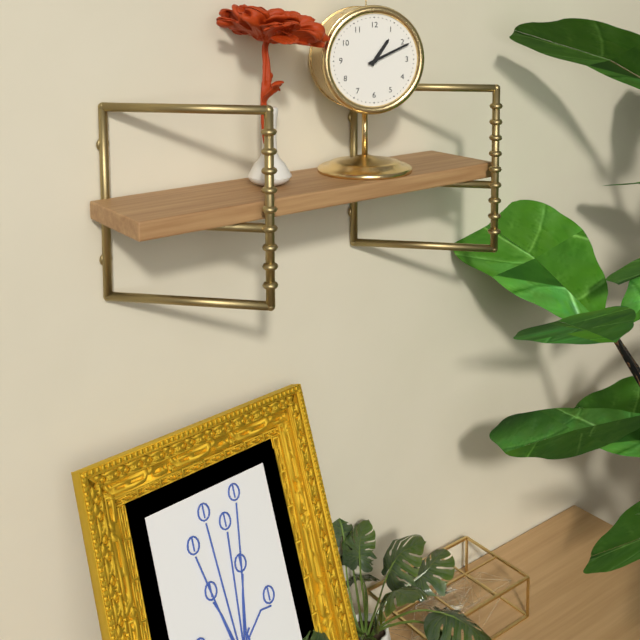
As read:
**1:11**
